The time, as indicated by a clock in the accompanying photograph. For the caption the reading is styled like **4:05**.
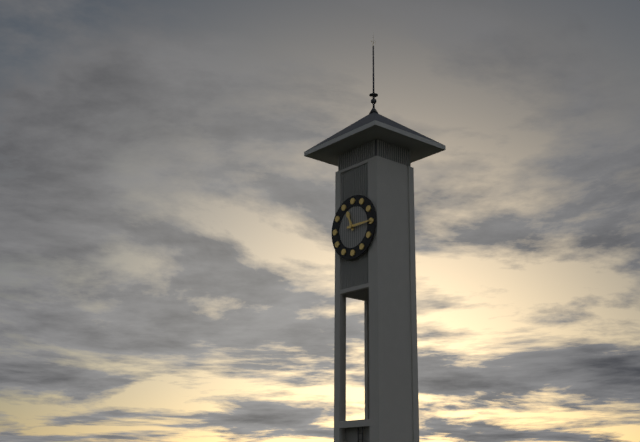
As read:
**11:15**
